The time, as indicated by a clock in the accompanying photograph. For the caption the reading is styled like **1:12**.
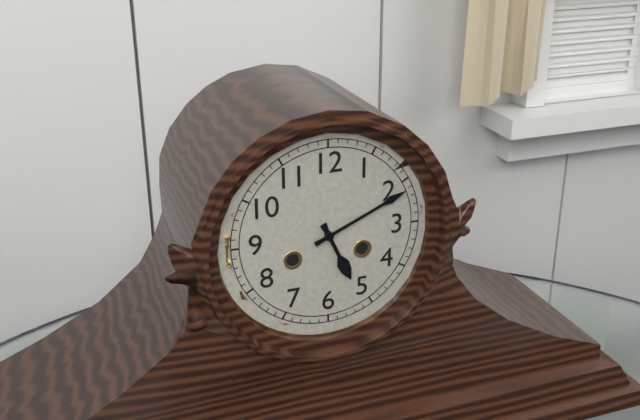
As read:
**5:11**
